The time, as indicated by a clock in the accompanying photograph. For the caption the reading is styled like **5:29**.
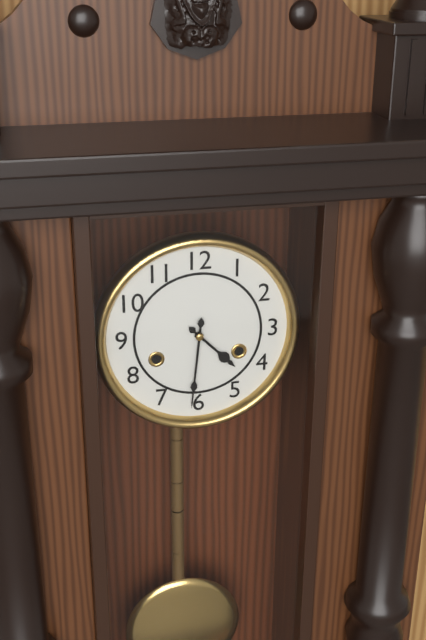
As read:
**4:31**
